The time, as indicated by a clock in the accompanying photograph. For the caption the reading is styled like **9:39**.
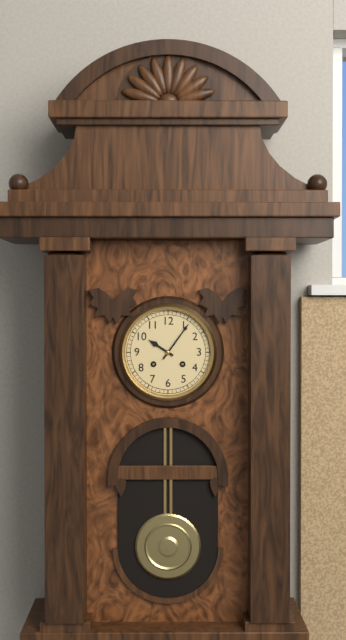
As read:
**10:06**
